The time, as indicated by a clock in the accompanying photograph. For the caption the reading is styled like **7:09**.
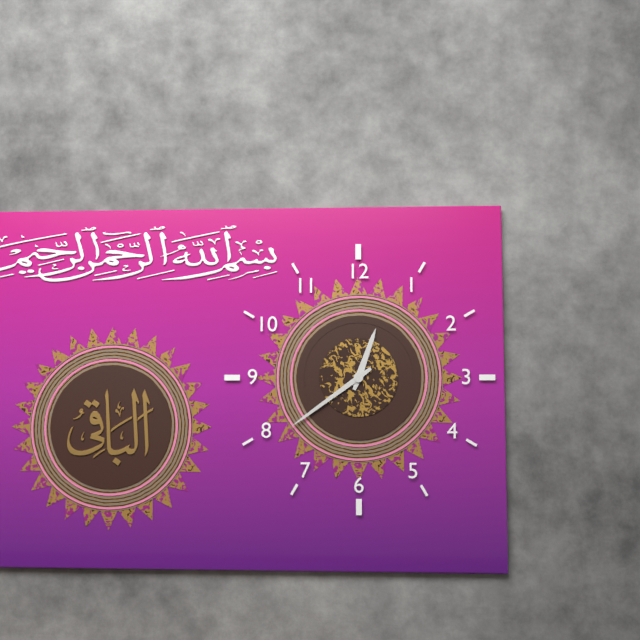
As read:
**12:39**
